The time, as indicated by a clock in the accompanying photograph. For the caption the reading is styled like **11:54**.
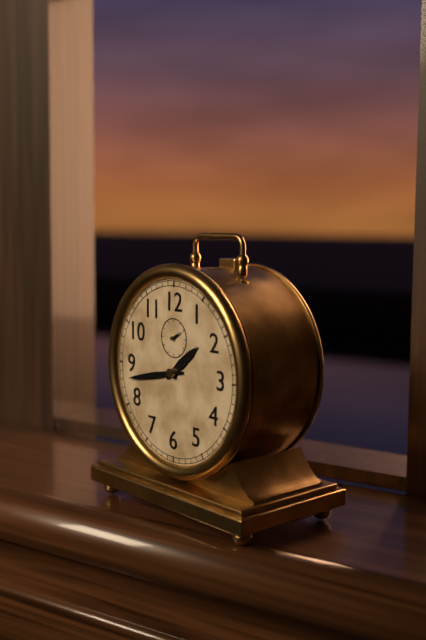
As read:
**1:43**
